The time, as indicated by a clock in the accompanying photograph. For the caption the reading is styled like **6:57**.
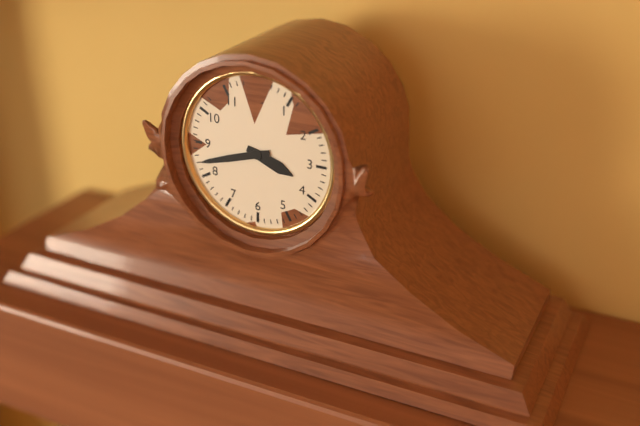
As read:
**3:42**
